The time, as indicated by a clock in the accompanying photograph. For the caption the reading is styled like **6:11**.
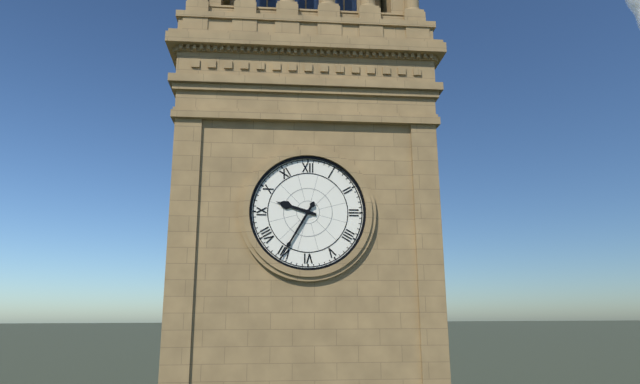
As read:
**9:35**
